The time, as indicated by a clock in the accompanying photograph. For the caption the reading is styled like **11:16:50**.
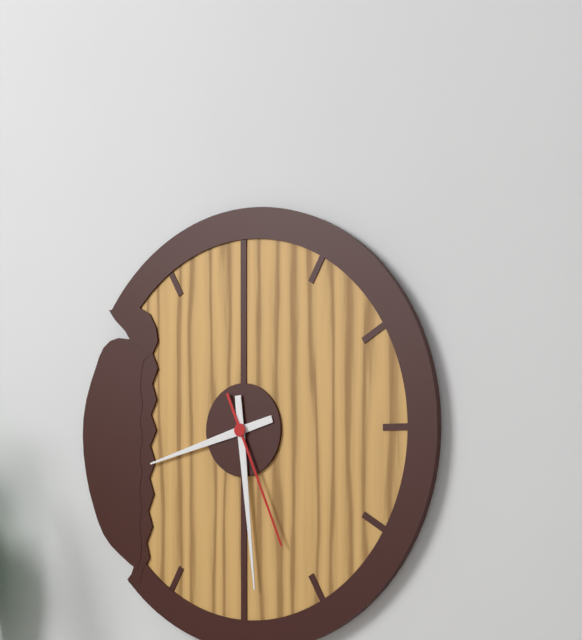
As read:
**8:29:26**
